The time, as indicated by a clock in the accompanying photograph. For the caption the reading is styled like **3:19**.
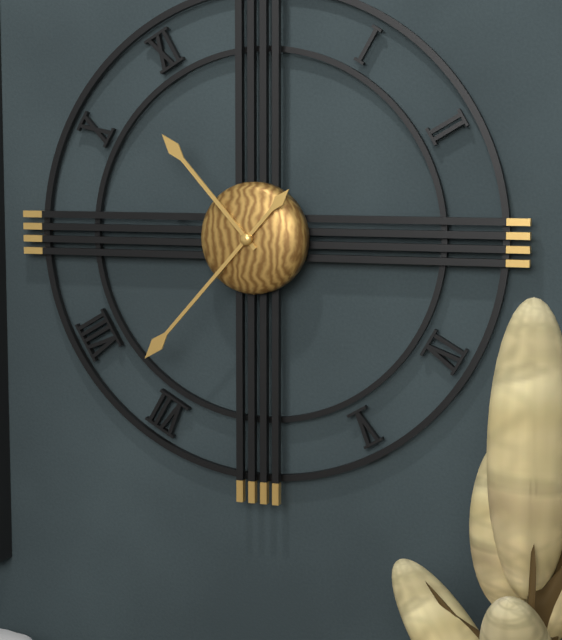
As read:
**10:37**
